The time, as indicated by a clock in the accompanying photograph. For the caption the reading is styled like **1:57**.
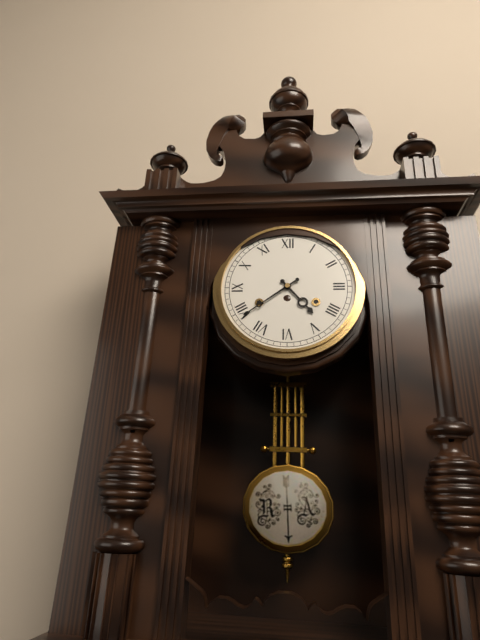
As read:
**4:39**
